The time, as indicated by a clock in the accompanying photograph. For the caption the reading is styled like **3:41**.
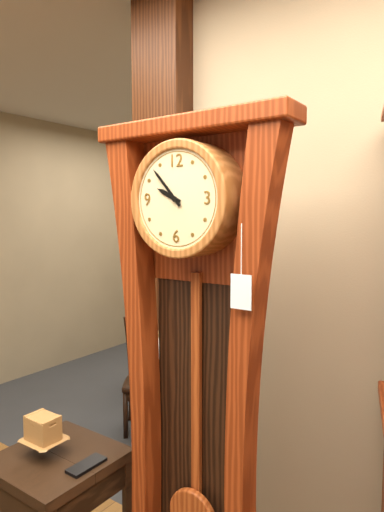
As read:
**9:53**
